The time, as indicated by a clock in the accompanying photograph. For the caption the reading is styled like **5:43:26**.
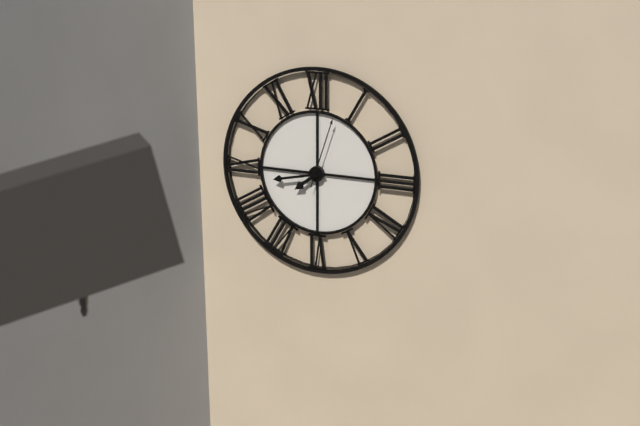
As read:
**7:43:03**
